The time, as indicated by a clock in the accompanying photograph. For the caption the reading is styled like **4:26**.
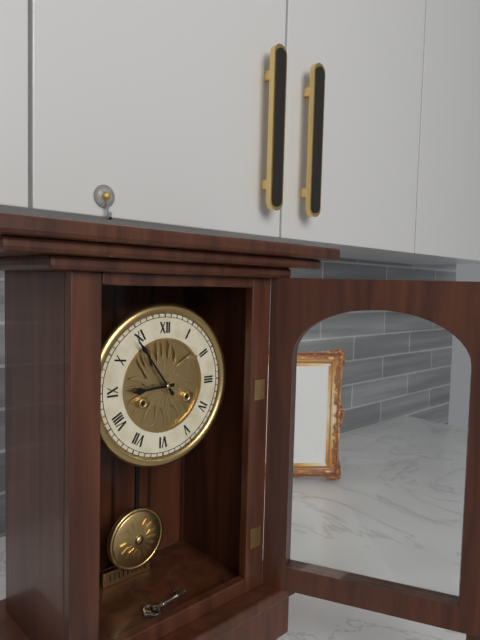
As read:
**8:54**
